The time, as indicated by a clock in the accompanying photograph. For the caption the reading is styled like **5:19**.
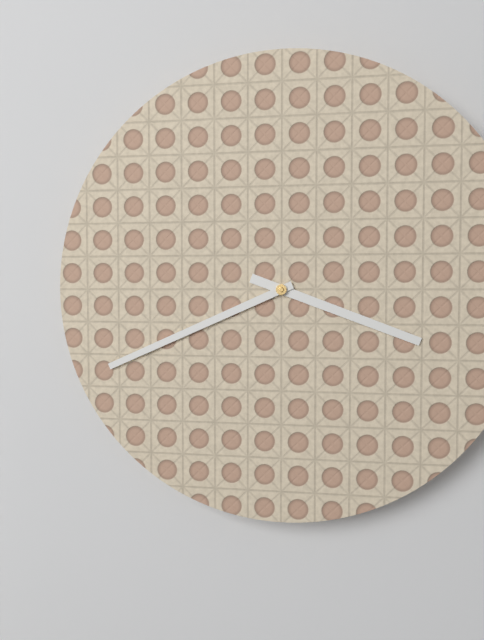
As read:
**3:41**
